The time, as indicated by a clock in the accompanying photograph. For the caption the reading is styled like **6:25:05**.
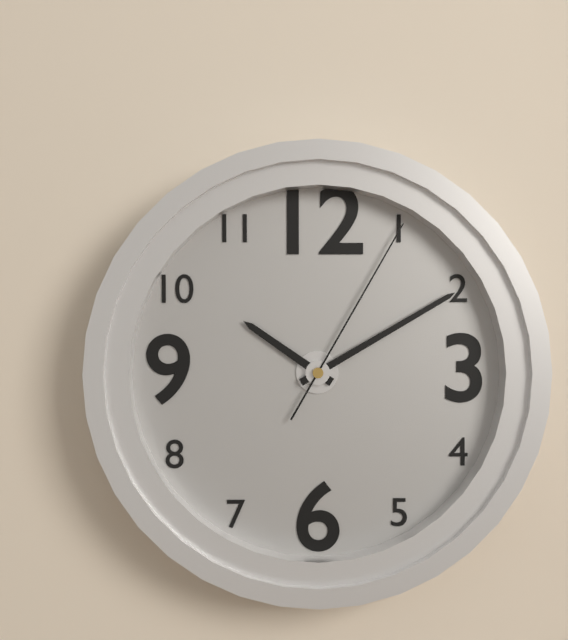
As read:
**10:10:05**
